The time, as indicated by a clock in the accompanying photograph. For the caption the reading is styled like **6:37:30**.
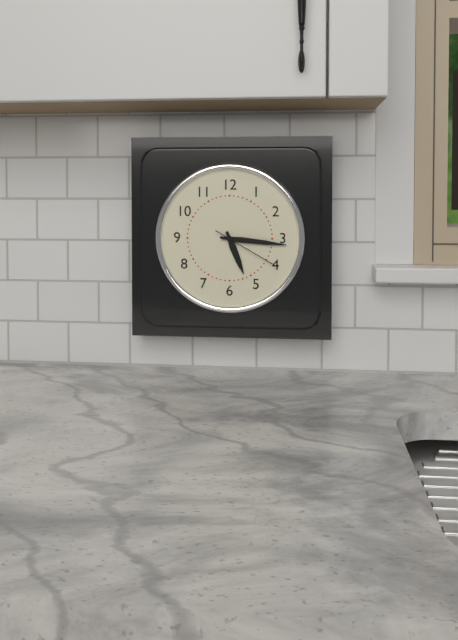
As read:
**5:16:20**
